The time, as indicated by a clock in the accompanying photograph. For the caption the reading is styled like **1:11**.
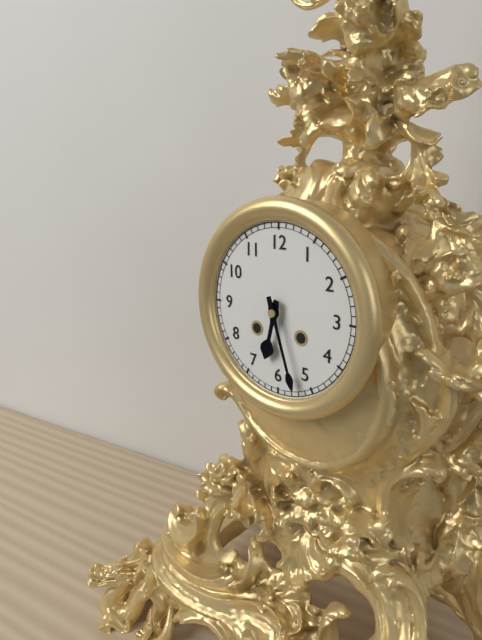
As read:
**6:27**
